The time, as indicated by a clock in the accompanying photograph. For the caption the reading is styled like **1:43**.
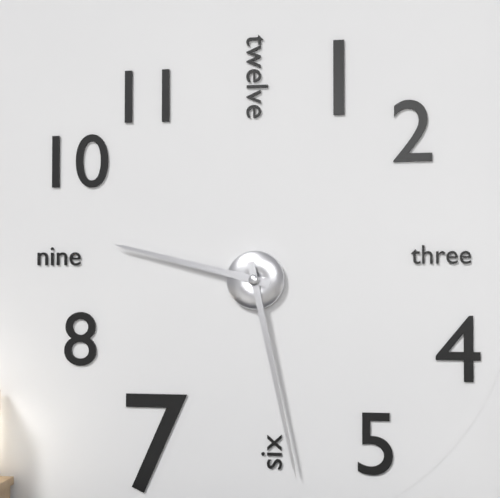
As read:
**9:28**
